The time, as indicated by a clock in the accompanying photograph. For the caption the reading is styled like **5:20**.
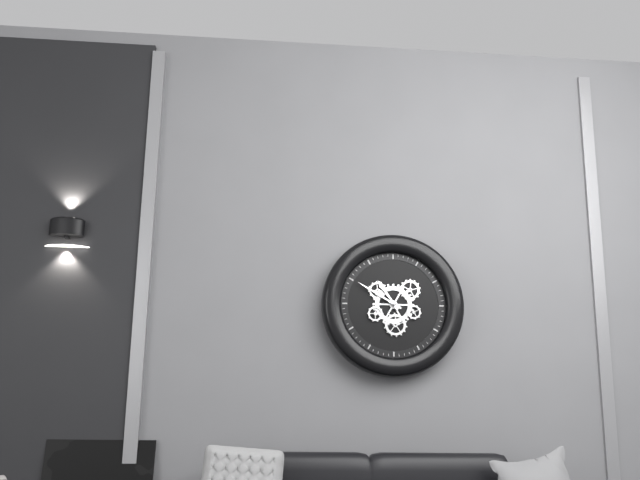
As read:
**10:50**
